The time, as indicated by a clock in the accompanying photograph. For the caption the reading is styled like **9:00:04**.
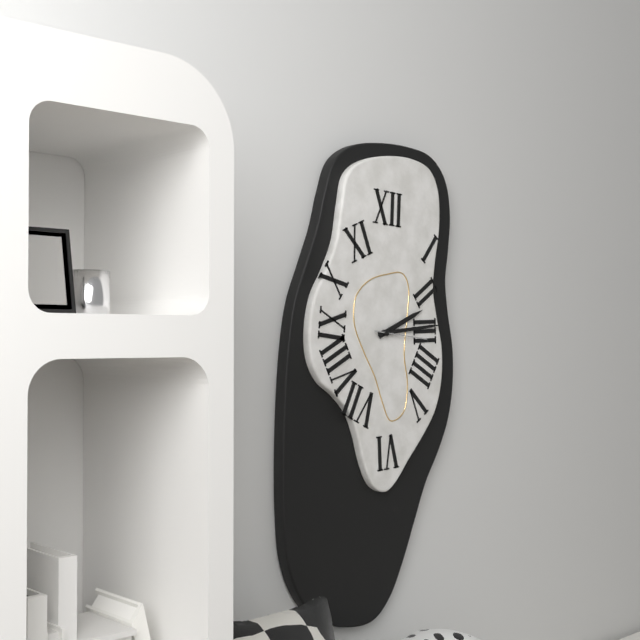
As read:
**2:14:16**
